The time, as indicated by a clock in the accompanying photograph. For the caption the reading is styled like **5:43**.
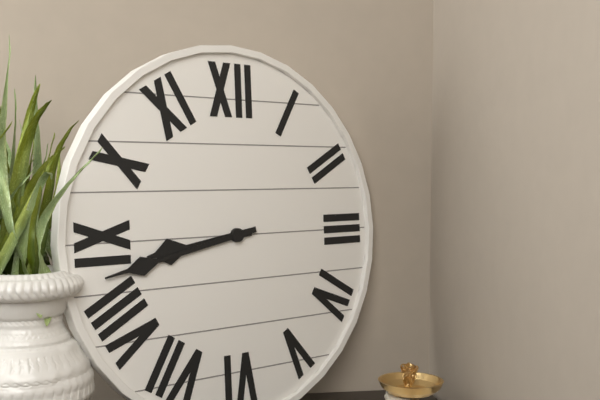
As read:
**8:43**
